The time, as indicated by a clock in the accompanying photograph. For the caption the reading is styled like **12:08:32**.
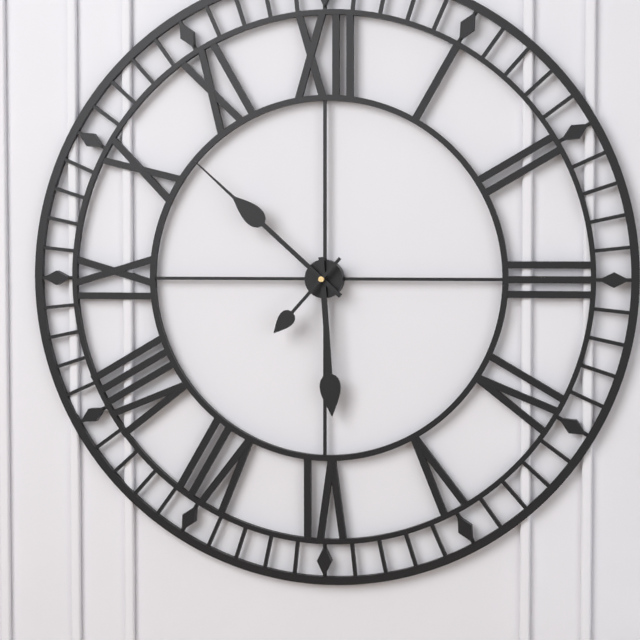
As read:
**5:52:37**
